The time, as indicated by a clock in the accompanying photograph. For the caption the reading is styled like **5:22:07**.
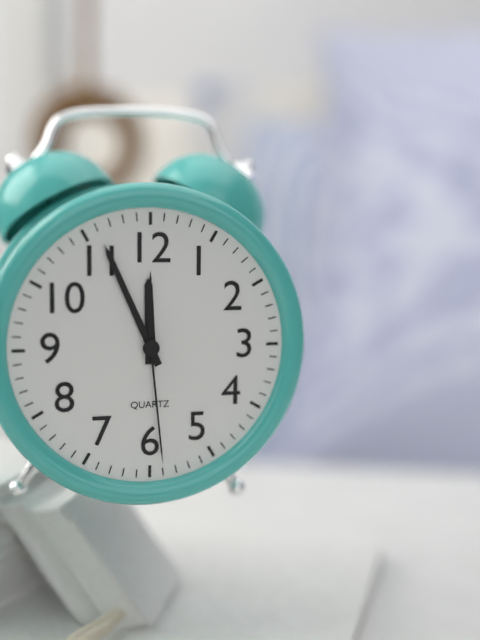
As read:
**11:56:29**
